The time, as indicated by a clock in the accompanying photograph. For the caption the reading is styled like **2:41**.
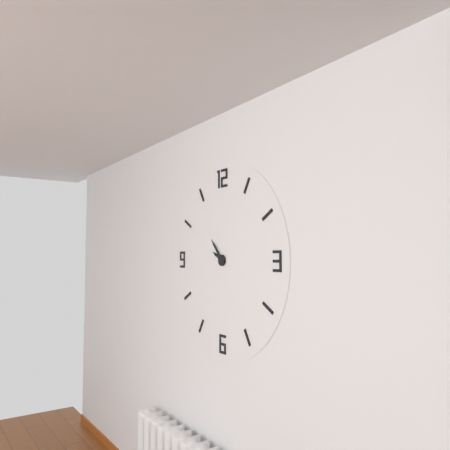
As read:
**9:53**
